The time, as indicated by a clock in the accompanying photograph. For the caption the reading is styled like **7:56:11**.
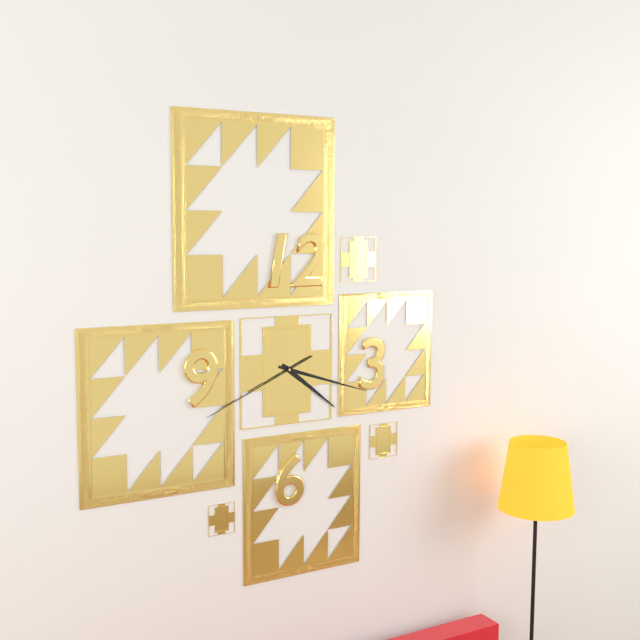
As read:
**4:18:41**
